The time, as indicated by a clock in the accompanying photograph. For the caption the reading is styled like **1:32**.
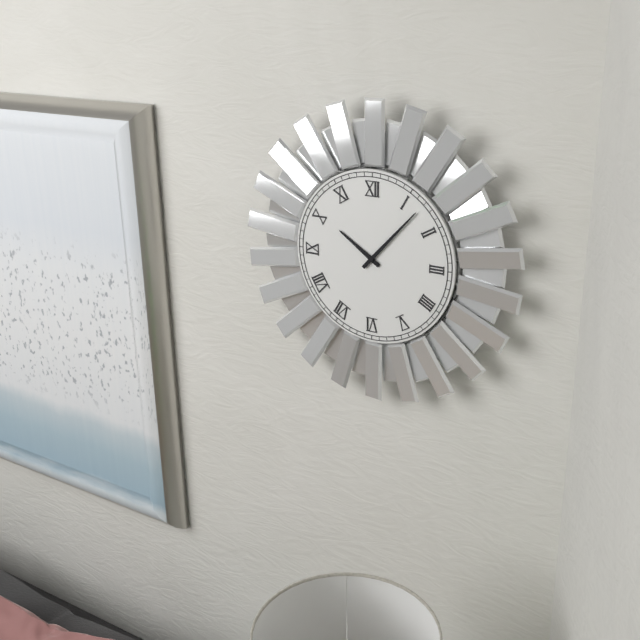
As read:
**10:07**
